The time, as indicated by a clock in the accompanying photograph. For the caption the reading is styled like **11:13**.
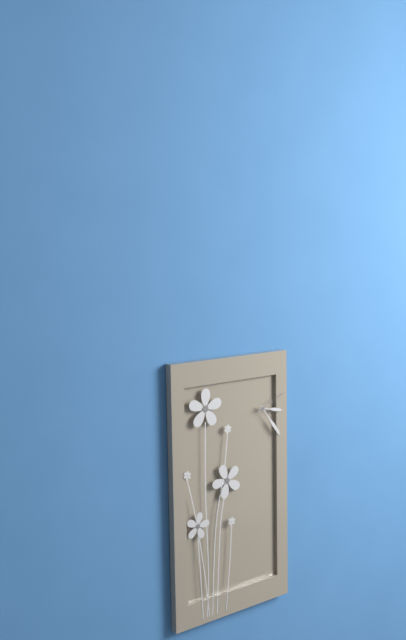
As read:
**3:24**
